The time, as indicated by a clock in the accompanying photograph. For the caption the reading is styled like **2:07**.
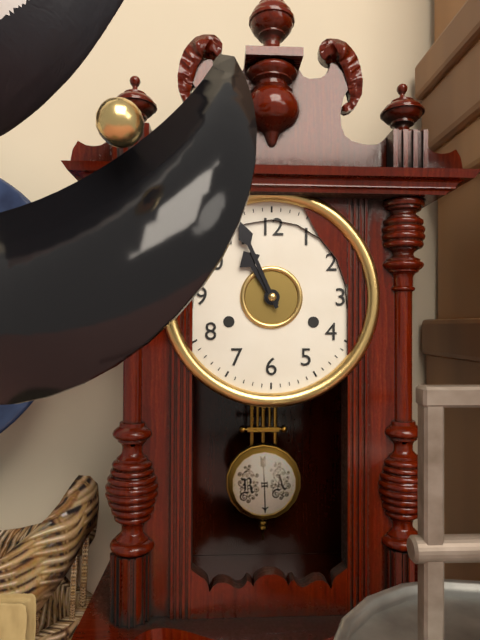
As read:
**10:56**
